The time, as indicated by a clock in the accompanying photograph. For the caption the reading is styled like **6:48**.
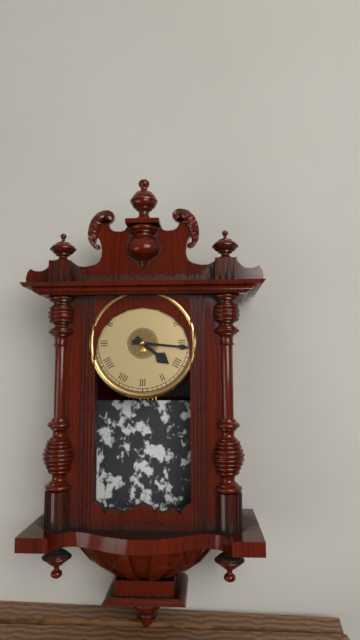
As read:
**4:16**
